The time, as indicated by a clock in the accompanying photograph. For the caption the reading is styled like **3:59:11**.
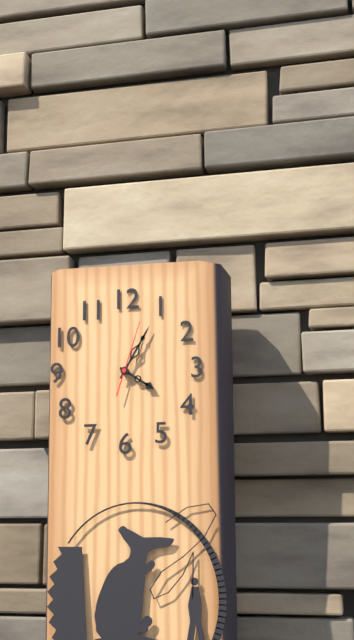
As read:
**4:05:03**
